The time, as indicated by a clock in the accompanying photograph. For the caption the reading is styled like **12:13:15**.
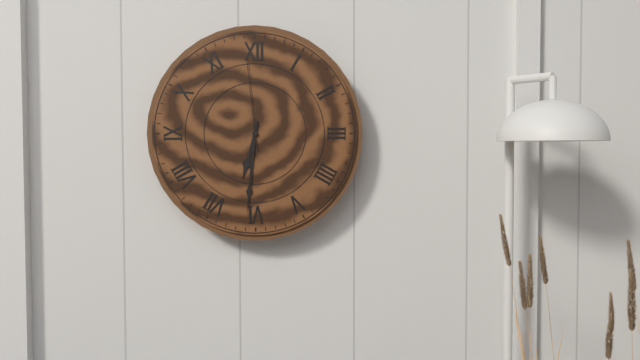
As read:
**6:31:59**
